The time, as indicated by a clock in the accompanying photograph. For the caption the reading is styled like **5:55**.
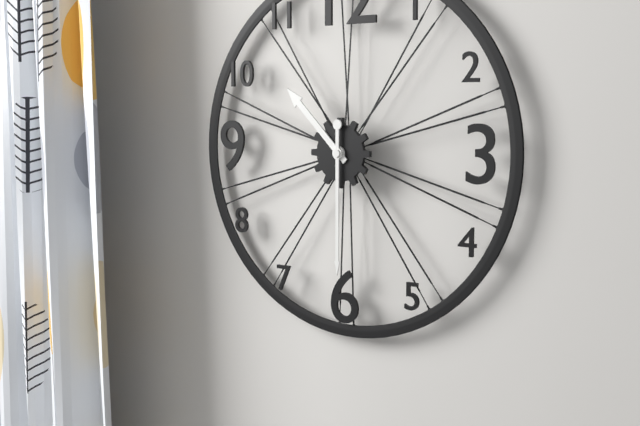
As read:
**10:30**
